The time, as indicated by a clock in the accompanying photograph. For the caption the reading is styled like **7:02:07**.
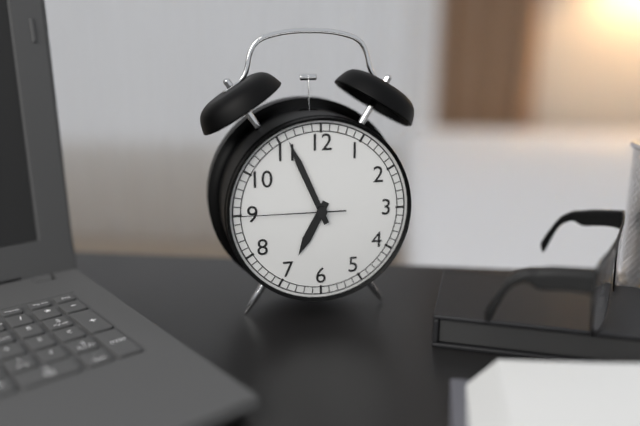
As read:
**6:56:45**
